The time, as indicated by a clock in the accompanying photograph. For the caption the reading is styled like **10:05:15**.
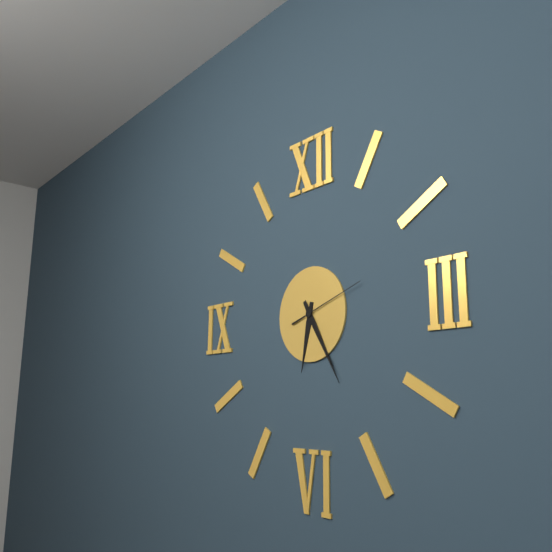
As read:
**6:25:12**
